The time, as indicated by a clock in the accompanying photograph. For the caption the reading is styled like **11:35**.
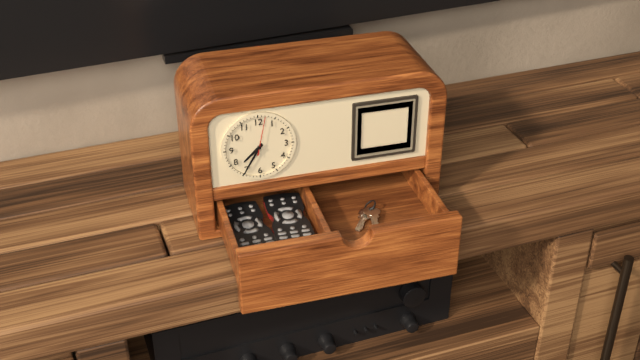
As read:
**7:35**
